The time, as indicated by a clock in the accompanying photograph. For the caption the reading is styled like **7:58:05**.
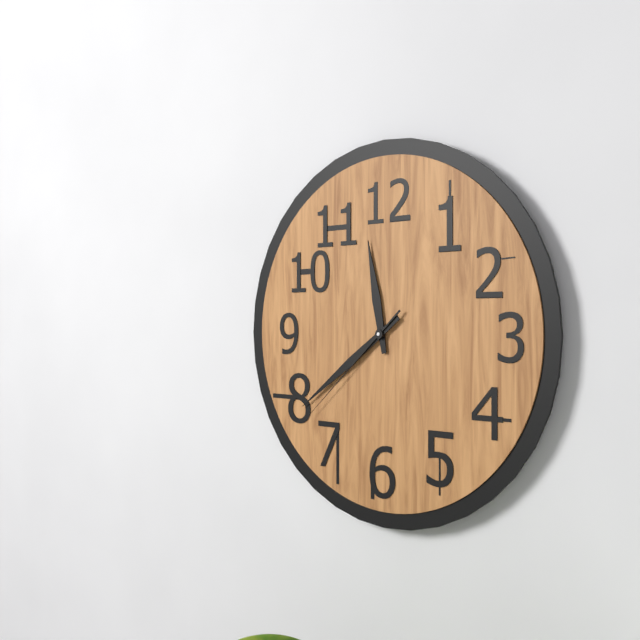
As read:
**11:39:38**
